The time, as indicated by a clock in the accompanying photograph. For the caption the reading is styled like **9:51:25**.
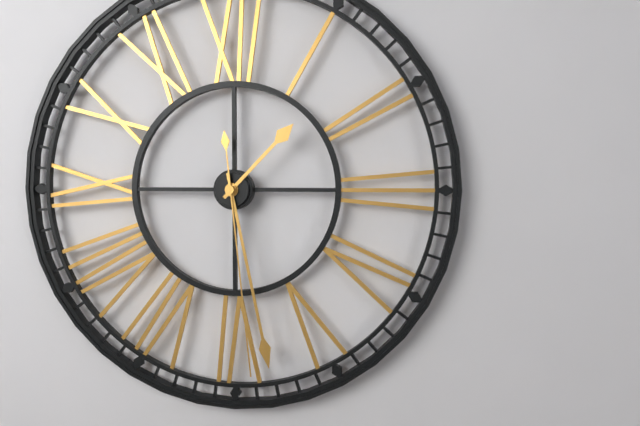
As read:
**1:28:29**
